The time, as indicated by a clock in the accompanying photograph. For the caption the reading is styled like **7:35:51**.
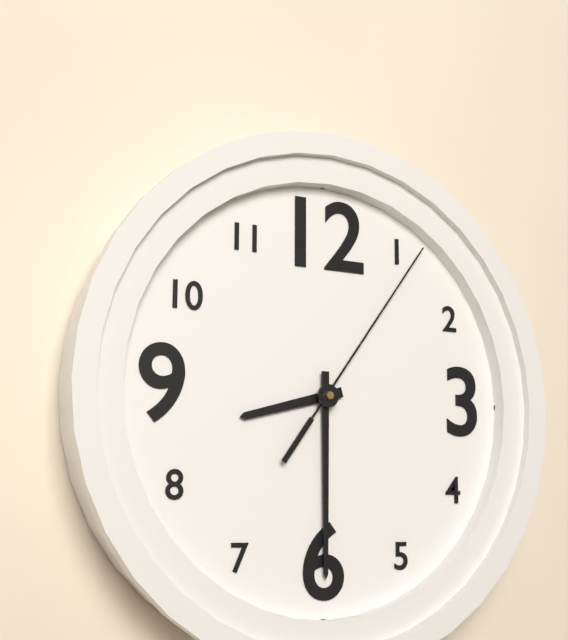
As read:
**8:30:06**
